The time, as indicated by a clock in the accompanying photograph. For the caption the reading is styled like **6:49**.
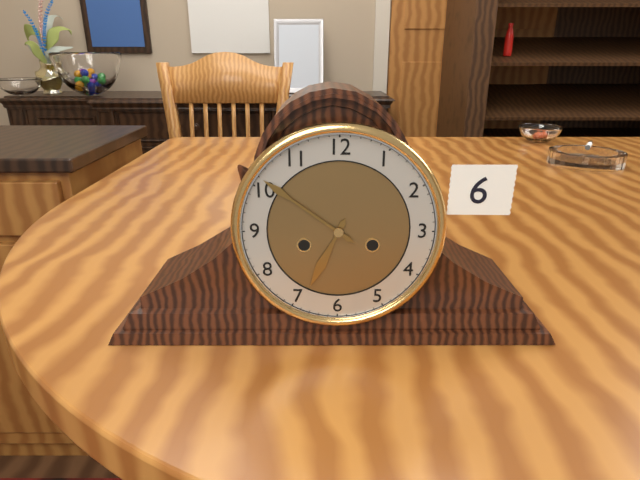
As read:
**6:51**
